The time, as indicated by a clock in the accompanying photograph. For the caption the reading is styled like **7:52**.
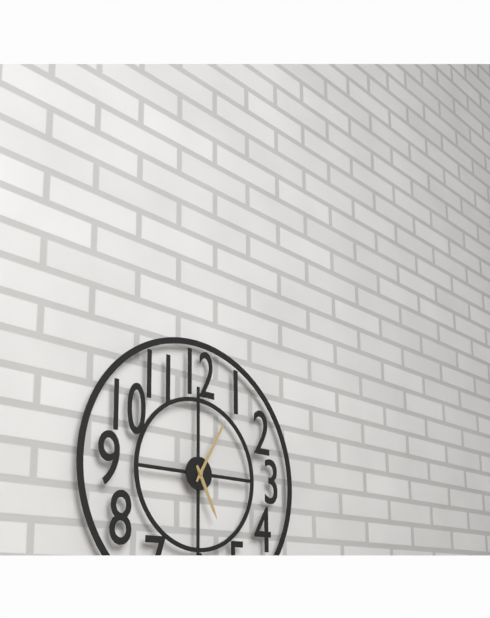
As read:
**5:05**
